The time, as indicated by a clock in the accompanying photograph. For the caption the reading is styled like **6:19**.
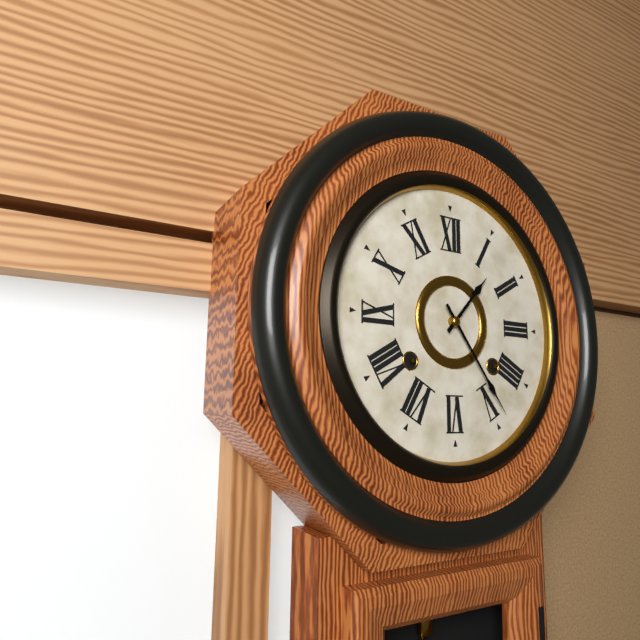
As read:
**1:24**
